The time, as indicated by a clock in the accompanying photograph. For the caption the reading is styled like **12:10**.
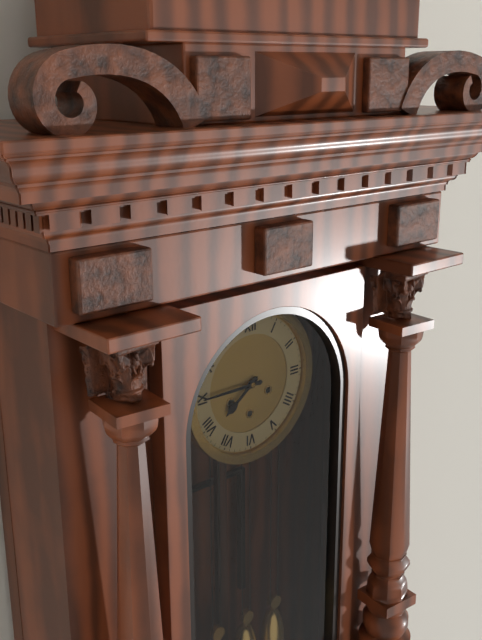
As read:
**7:45**
